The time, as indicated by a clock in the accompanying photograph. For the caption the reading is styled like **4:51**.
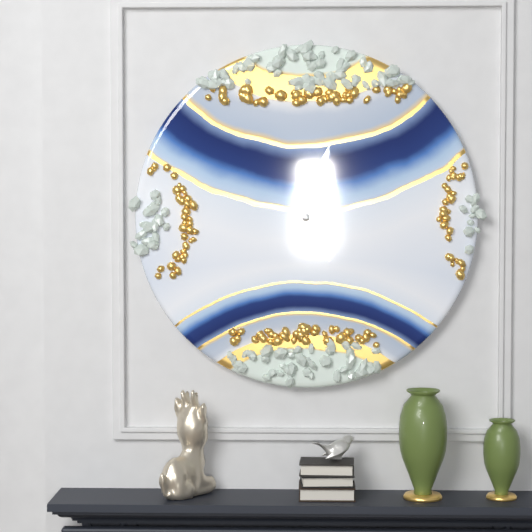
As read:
**5:03**
